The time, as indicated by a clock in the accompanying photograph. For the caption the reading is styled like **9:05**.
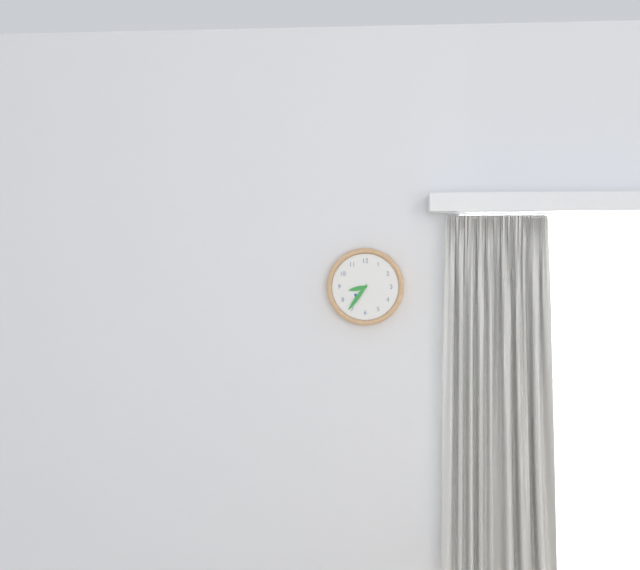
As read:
**8:36**
